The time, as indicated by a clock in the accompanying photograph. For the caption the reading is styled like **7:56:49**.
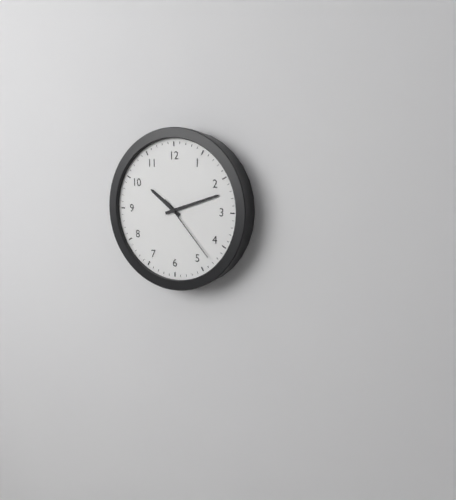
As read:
**10:12:23**
